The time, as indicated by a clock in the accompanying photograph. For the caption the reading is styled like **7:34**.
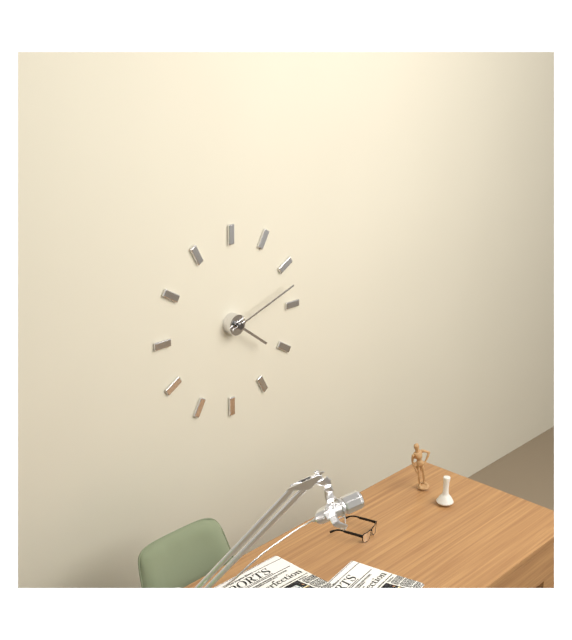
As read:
**4:12**
